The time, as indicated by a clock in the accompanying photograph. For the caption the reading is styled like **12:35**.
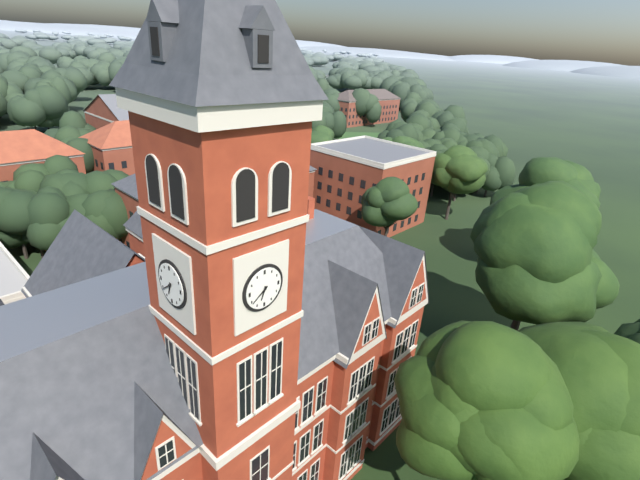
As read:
**6:39**
